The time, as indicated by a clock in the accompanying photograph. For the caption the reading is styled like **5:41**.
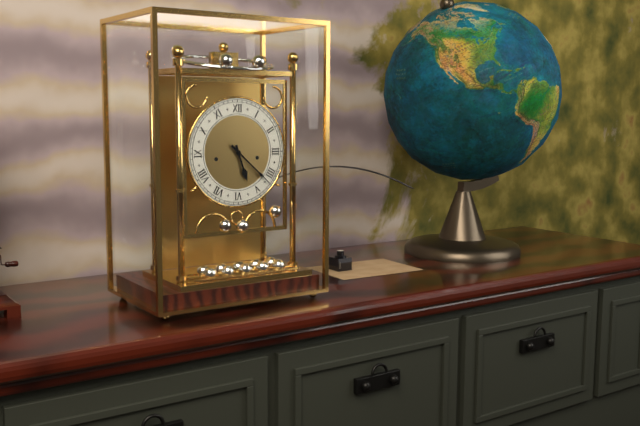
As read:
**5:22**
